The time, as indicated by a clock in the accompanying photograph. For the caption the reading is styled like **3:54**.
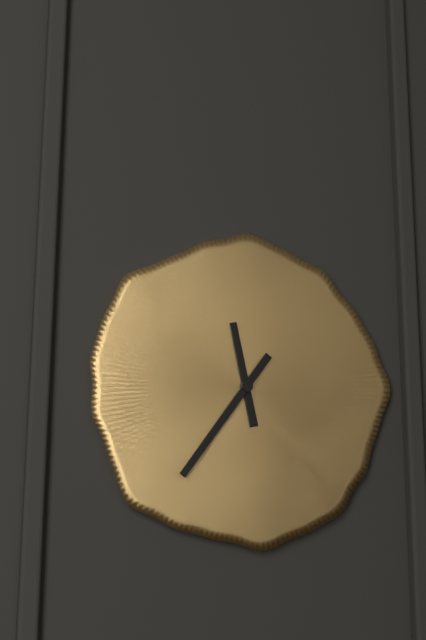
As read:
**11:36**
